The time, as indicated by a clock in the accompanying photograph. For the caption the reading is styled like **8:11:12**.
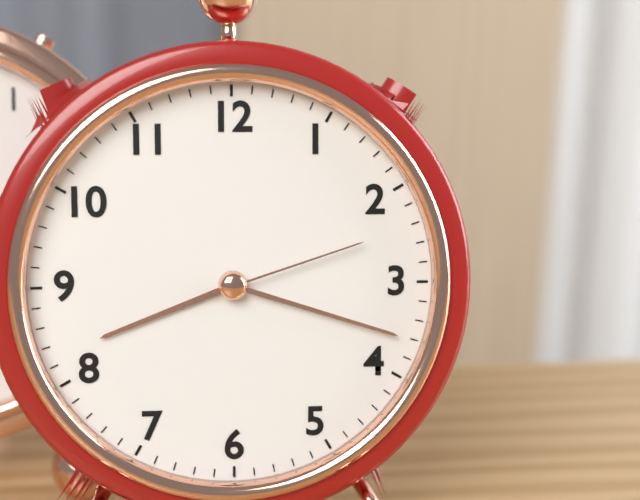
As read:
**8:18:12**
